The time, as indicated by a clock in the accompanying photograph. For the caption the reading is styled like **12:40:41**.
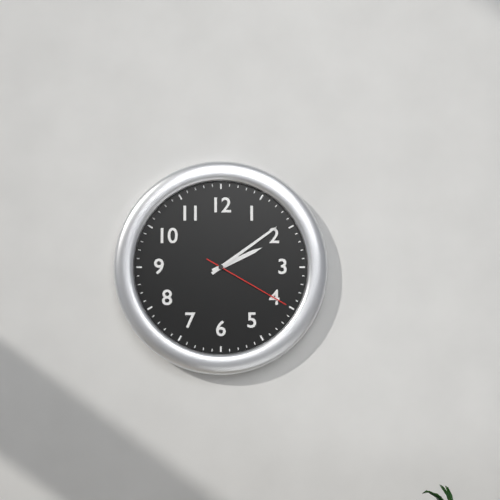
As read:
**2:09:20**
